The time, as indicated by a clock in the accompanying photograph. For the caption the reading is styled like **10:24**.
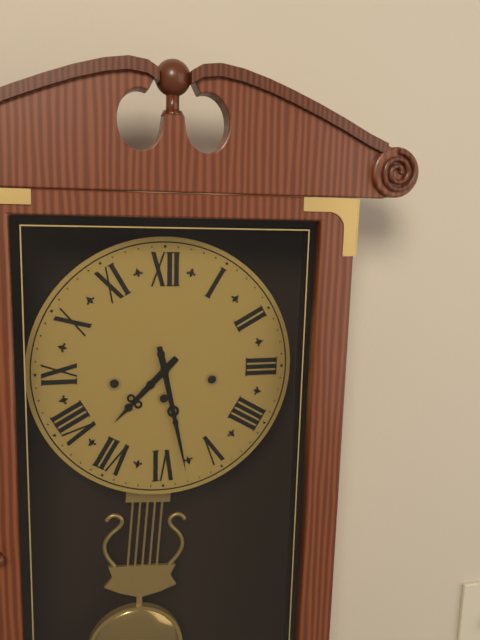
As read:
**7:28**
